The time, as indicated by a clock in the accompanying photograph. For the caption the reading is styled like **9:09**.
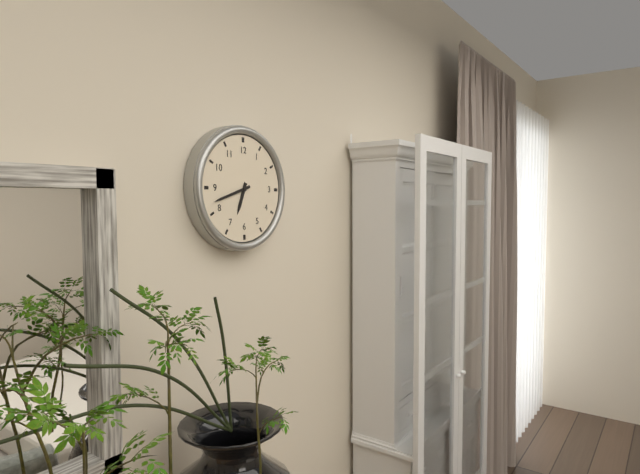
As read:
**6:42**
